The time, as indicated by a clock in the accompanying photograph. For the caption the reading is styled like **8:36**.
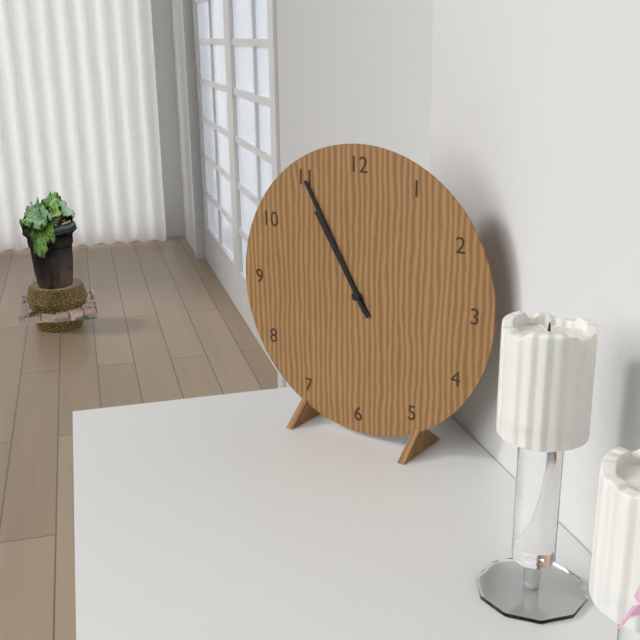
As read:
**10:55**
